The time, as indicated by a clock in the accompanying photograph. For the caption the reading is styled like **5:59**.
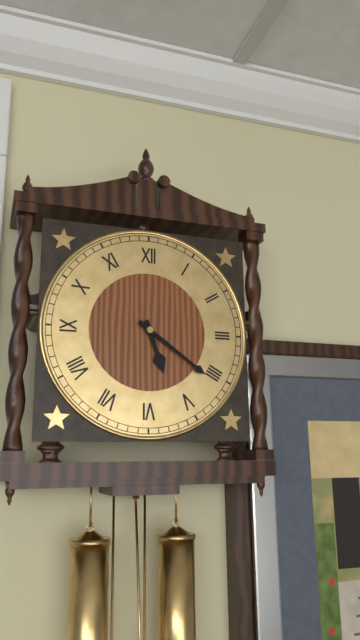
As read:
**5:21**
